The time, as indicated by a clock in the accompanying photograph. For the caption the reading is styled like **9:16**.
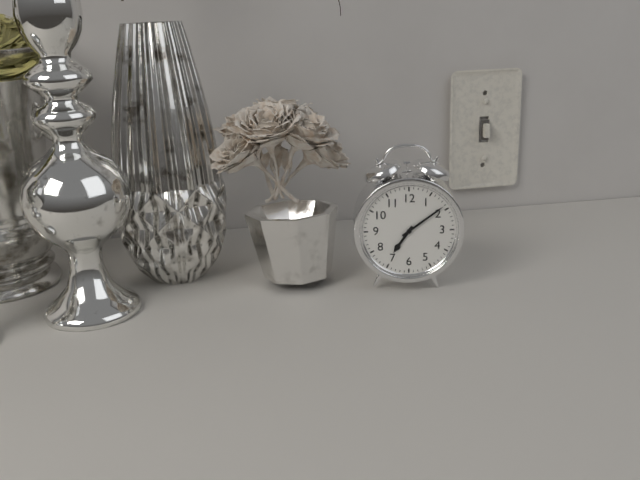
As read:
**7:09**
